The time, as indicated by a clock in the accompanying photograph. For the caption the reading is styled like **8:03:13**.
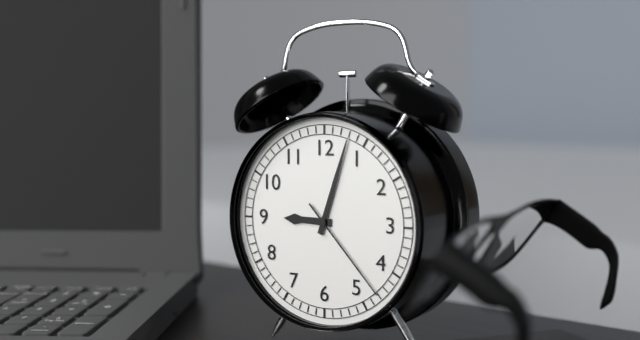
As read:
**9:03:23**
